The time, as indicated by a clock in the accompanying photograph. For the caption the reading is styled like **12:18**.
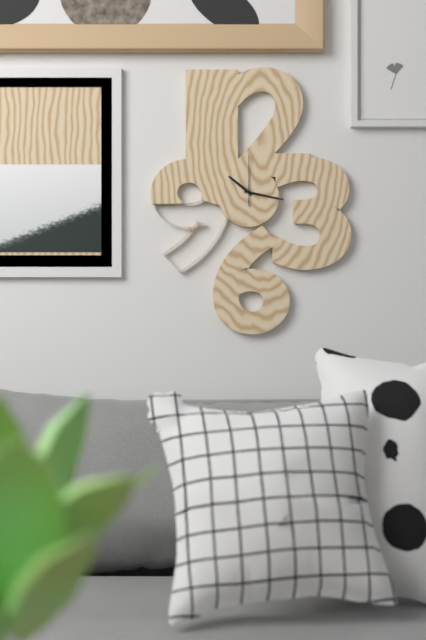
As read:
**10:17**
